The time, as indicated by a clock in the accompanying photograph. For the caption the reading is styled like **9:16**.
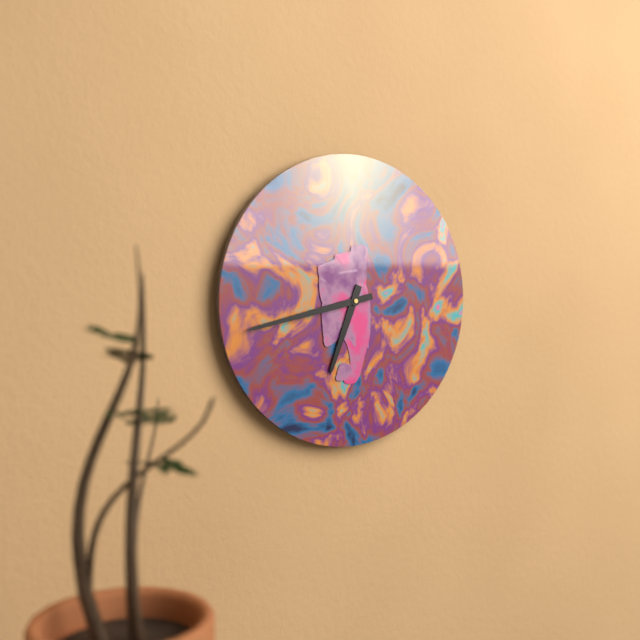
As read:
**6:43**
